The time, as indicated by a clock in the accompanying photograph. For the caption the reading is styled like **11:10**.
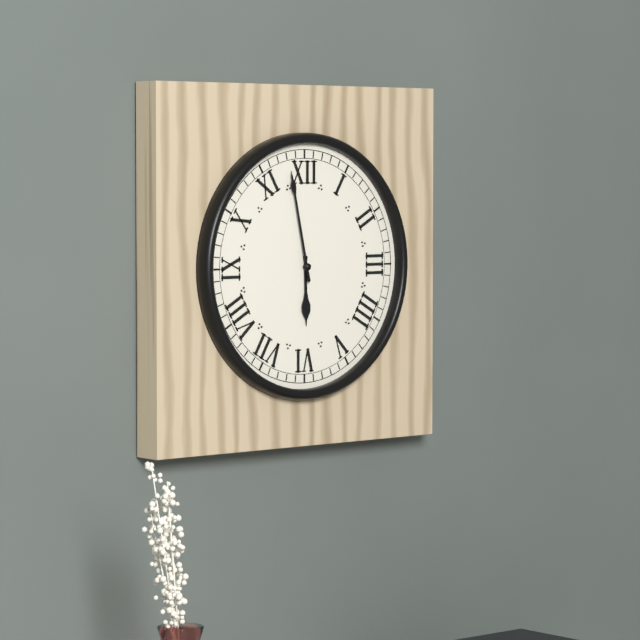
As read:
**5:58**
